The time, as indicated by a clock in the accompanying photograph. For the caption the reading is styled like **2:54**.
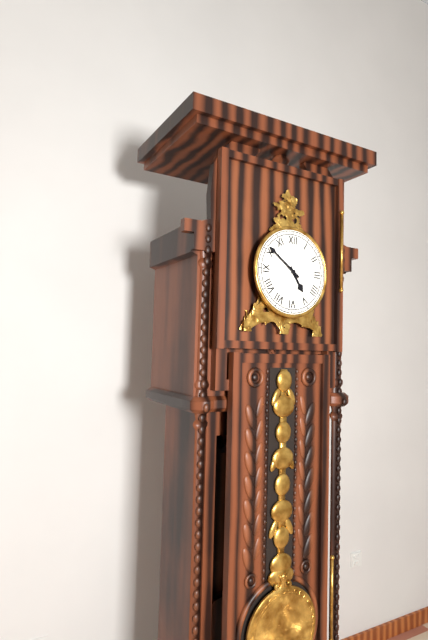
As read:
**4:51**
